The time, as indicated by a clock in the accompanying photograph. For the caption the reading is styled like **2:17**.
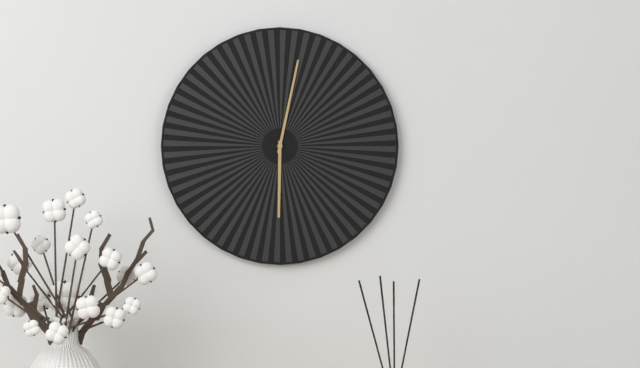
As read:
**6:02**
